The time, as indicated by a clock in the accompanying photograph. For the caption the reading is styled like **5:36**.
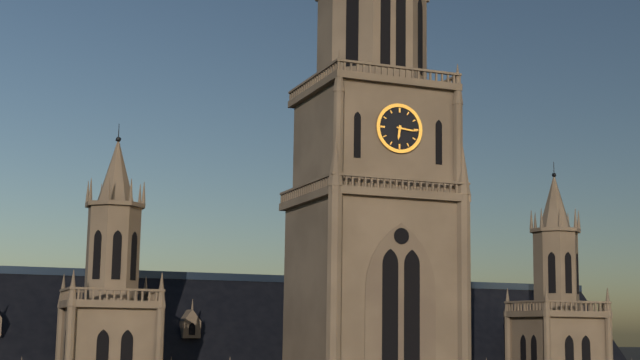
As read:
**6:16**
